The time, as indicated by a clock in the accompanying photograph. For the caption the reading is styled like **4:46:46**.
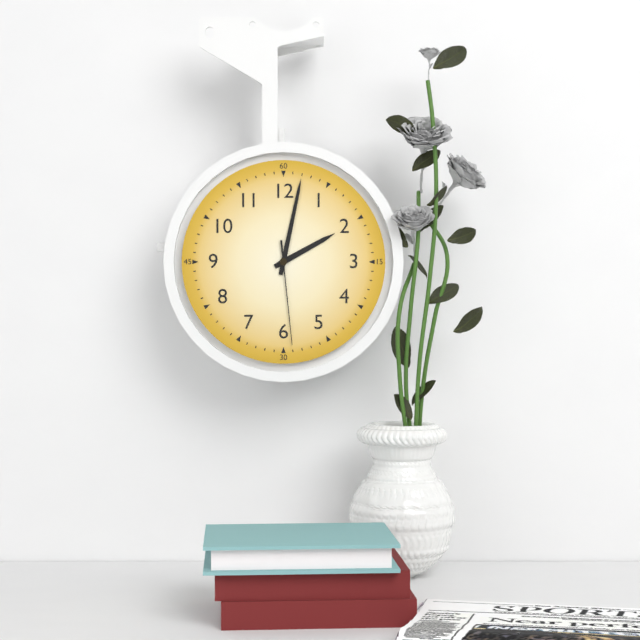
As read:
**2:02:29**
